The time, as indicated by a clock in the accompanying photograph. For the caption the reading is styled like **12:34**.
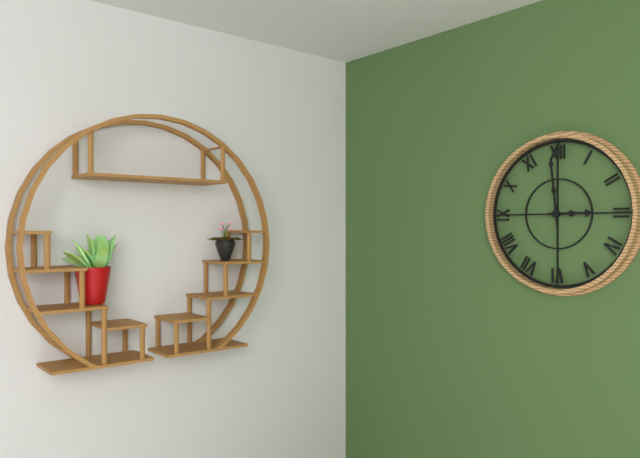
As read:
**2:59**
